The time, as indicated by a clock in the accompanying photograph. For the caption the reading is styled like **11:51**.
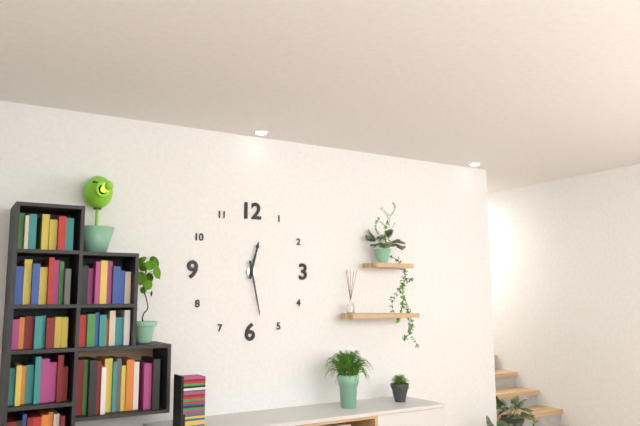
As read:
**12:28**
